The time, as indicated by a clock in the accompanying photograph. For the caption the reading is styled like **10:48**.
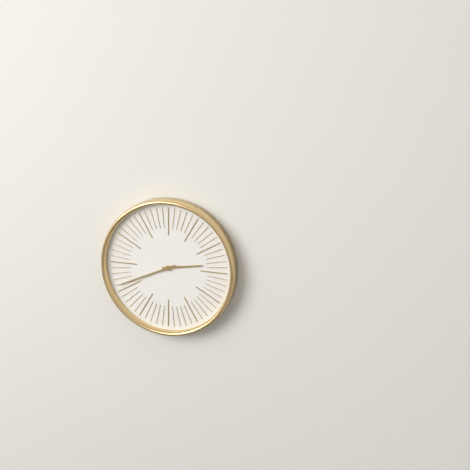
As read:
**2:41**
